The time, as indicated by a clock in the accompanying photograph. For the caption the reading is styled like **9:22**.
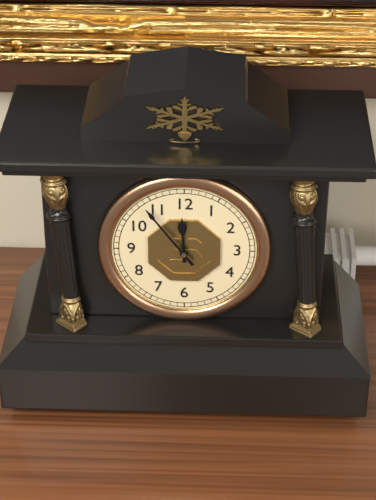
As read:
**11:54**
